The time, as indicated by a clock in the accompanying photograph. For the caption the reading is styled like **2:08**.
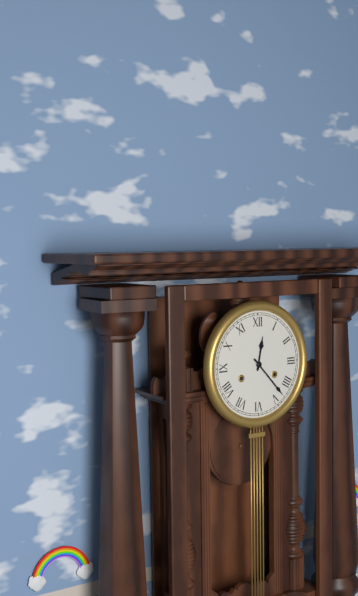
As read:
**12:23**
